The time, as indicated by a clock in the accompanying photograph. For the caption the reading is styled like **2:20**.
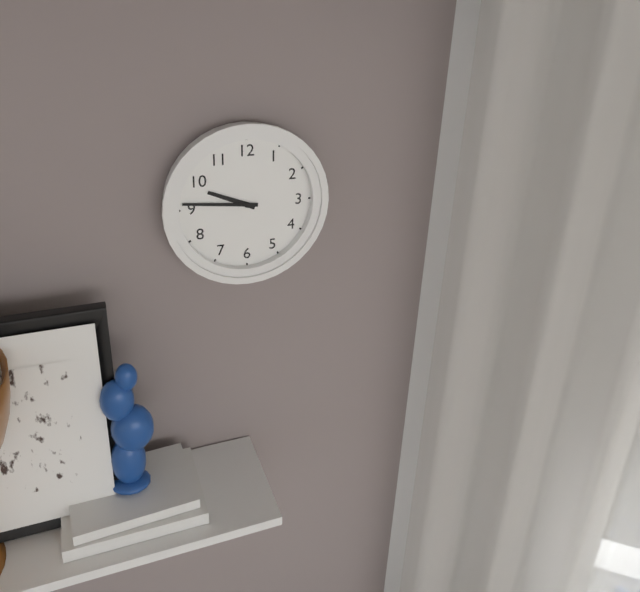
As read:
**9:46**
